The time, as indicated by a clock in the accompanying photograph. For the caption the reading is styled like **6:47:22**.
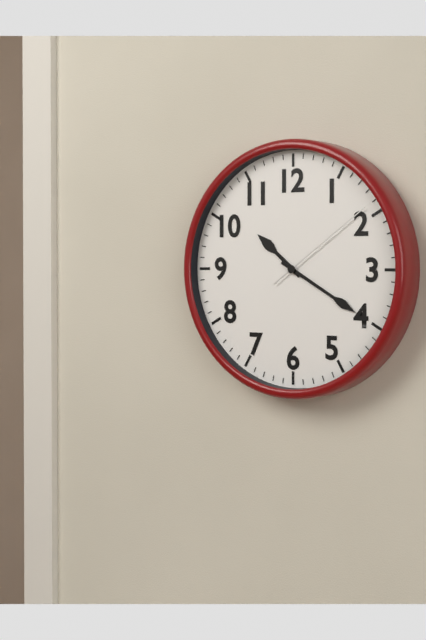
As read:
**10:20:09**
